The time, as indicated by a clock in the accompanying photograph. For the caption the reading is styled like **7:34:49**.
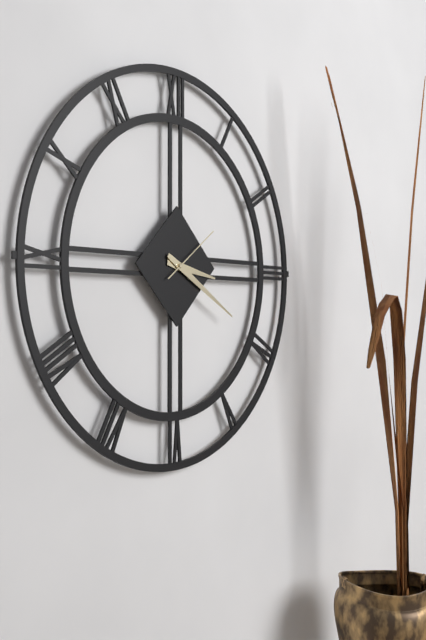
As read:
**3:20:09**
